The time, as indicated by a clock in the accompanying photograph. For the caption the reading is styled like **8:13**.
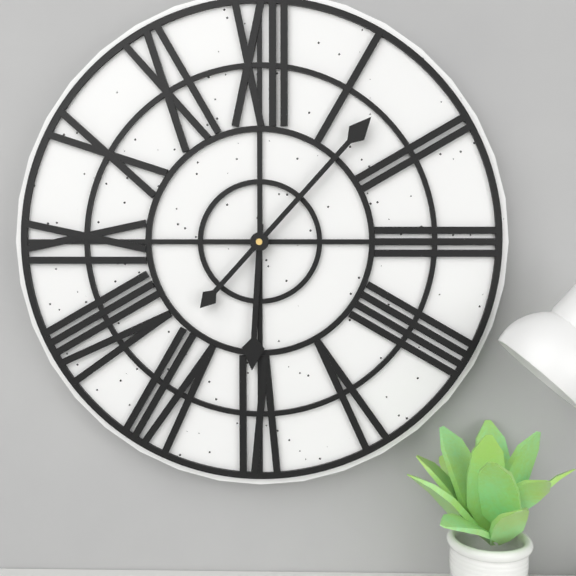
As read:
**6:07**
